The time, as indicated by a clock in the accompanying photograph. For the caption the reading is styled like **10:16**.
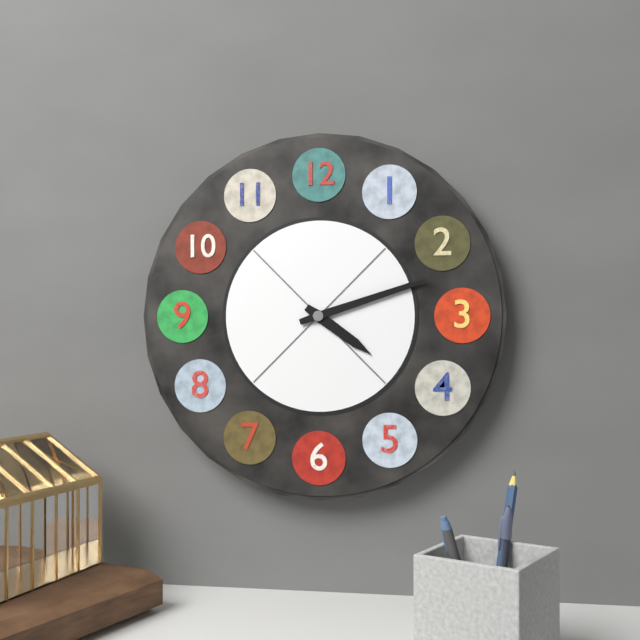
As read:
**4:12**
